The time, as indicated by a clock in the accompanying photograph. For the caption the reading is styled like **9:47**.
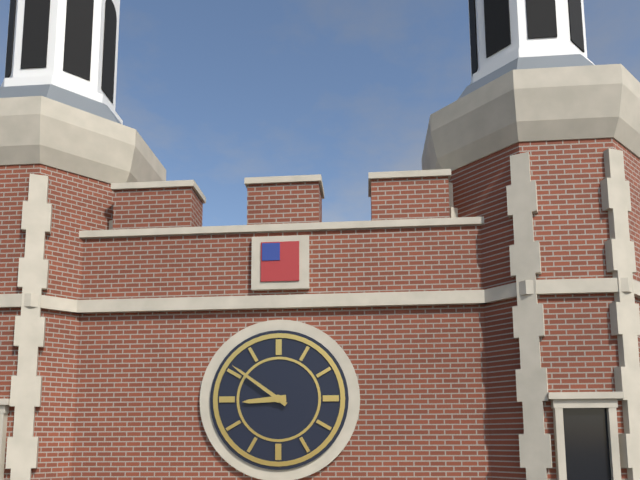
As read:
**8:51**
